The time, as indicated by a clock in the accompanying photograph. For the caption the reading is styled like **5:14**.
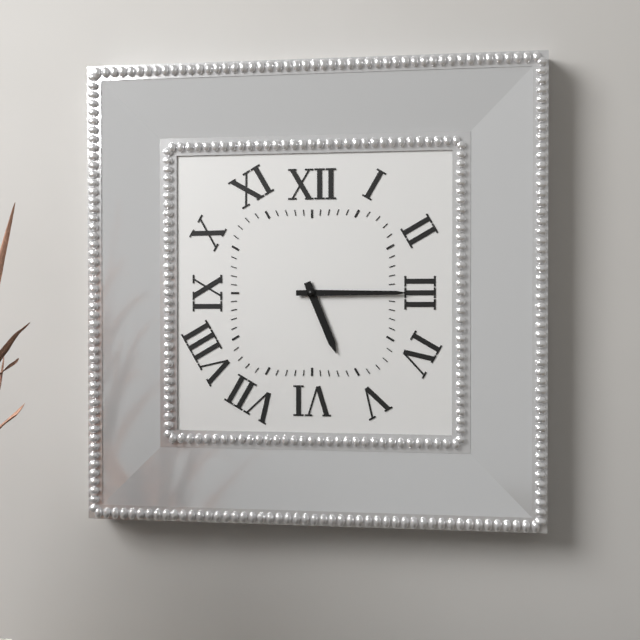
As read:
**5:15**
